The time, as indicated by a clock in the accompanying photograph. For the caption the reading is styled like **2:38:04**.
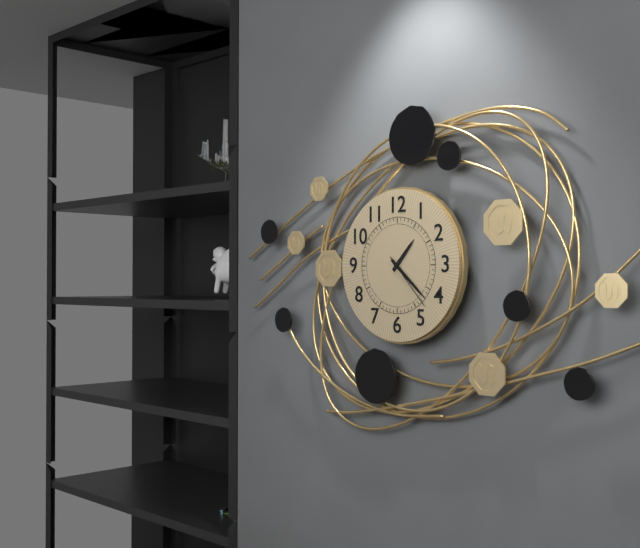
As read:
**1:22:23**
